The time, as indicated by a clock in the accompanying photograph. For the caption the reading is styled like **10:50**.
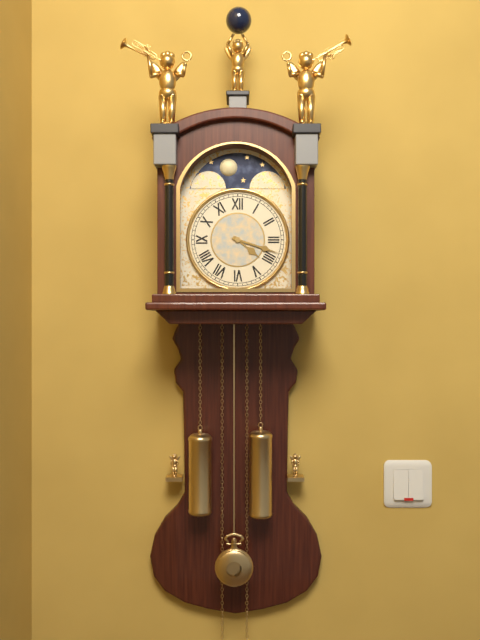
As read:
**4:18**
